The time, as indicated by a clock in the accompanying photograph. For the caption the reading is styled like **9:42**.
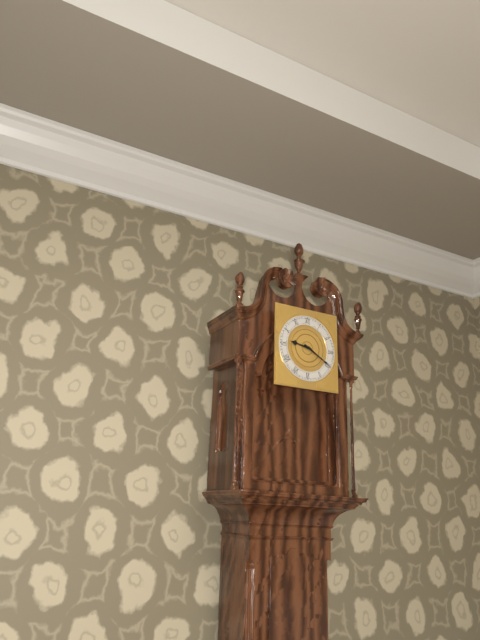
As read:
**9:20**
